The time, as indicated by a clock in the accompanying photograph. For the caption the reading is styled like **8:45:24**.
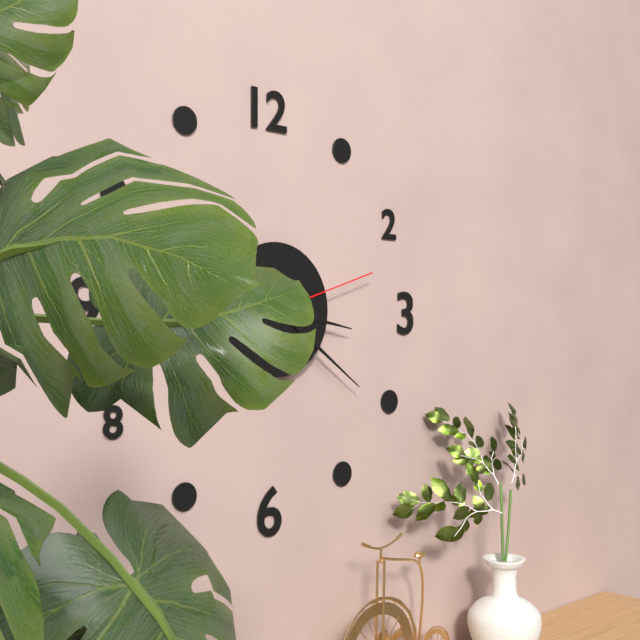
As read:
**3:21:12**
